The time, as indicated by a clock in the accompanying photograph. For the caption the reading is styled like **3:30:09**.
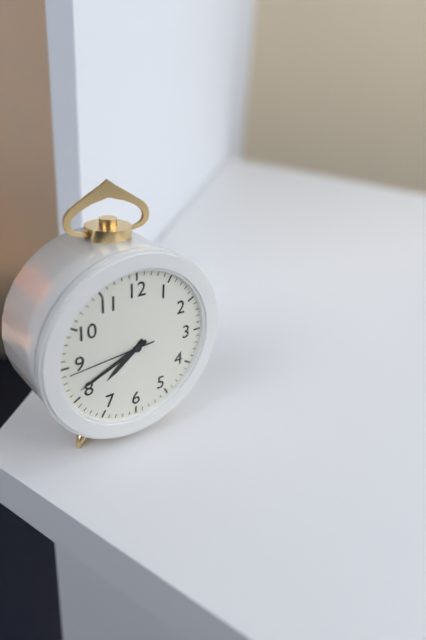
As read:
**7:41:44**
